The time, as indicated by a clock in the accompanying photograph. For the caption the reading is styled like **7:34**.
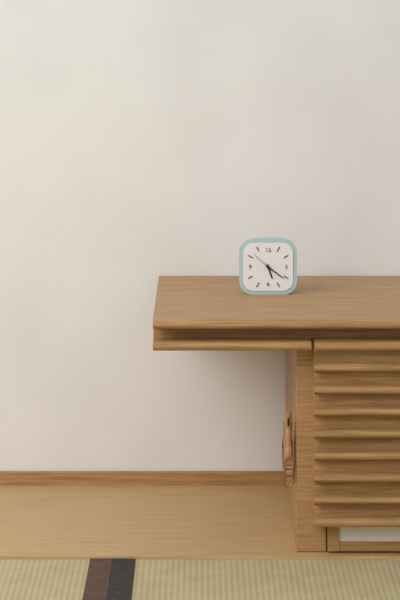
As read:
**5:21**
